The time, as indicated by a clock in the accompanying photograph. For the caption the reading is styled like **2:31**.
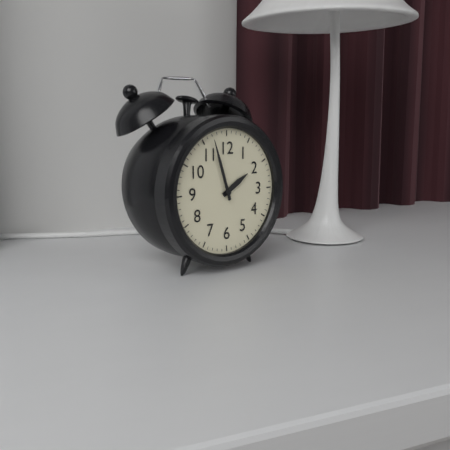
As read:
**1:57**
